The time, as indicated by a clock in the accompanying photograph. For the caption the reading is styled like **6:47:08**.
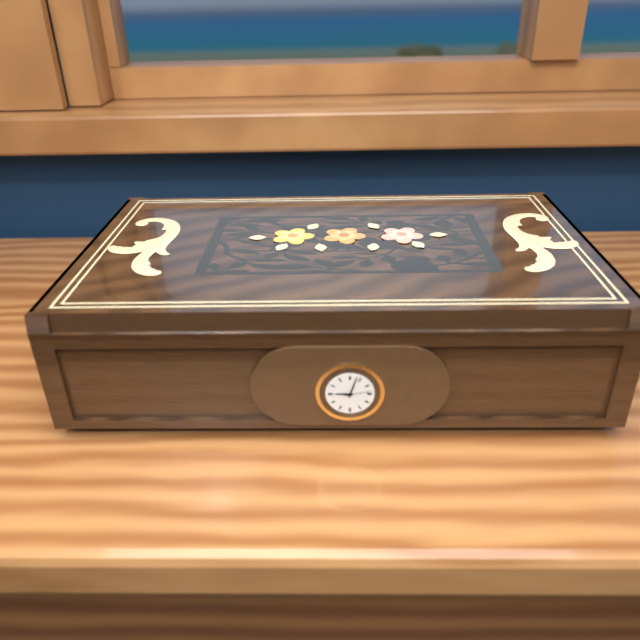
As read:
**9:03:13**
